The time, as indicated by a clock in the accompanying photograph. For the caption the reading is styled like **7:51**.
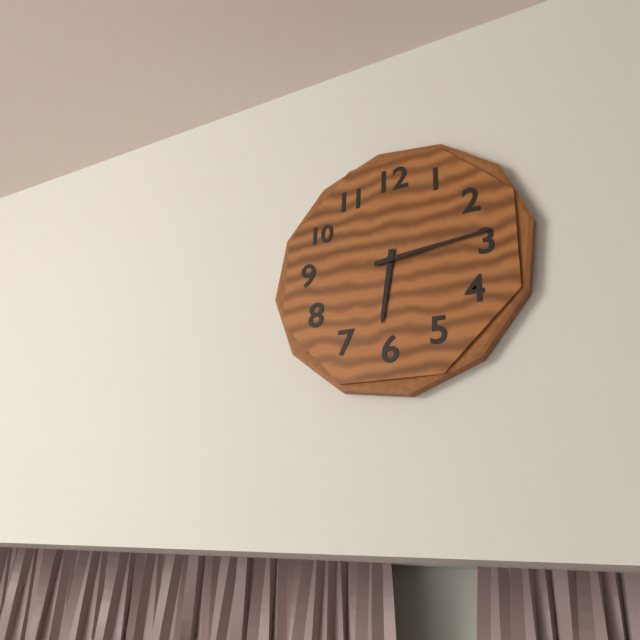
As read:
**6:14**
